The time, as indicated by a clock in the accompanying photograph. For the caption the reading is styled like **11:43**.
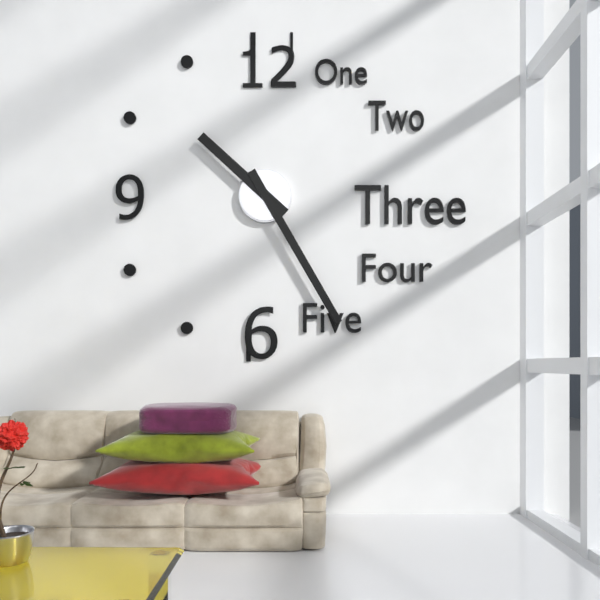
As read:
**10:25**
